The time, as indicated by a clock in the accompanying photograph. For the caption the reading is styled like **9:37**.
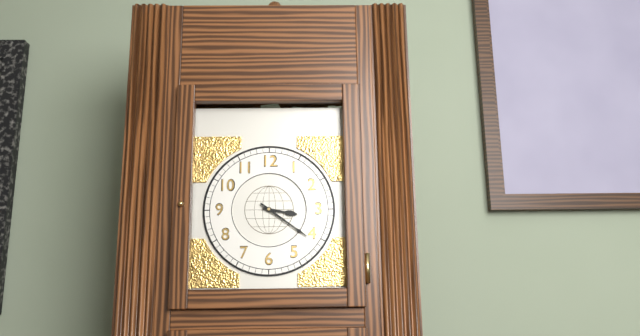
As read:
**3:21**
